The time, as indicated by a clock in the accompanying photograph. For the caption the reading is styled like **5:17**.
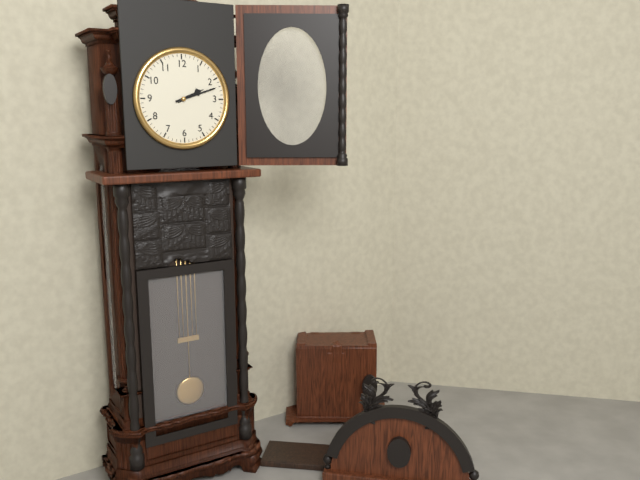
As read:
**2:12**
